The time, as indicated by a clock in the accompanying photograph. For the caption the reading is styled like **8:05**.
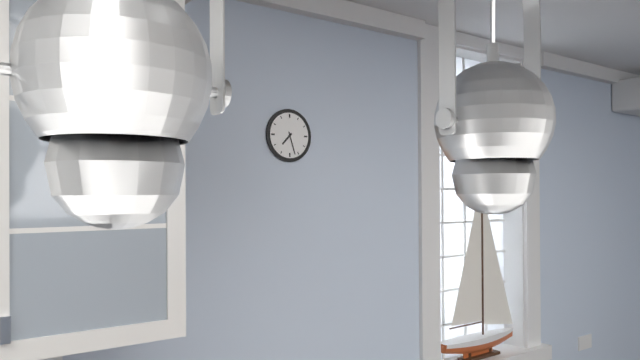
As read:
**7:27**
